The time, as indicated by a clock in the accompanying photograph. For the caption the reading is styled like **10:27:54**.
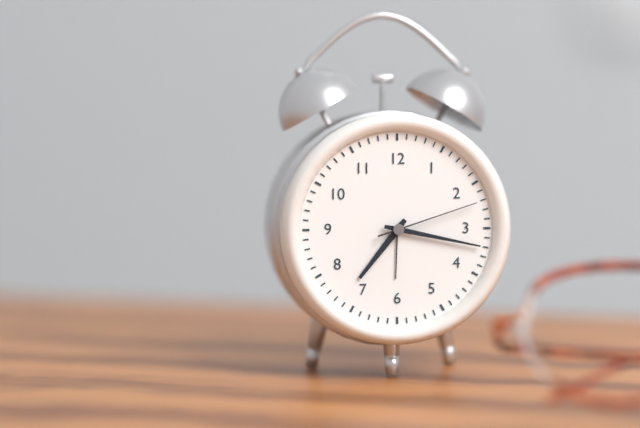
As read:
**7:17:12**
